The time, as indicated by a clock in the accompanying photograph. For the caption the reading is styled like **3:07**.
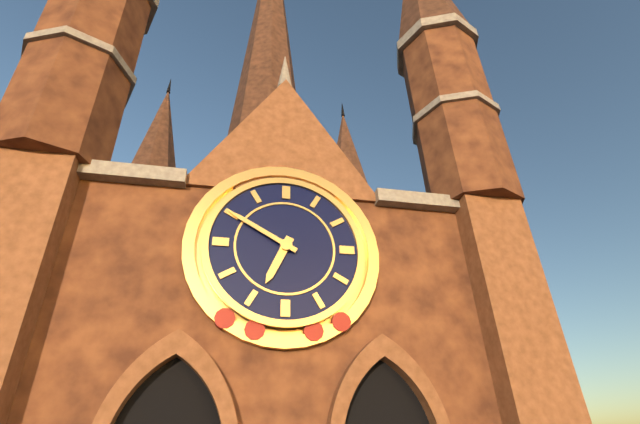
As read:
**6:50**
